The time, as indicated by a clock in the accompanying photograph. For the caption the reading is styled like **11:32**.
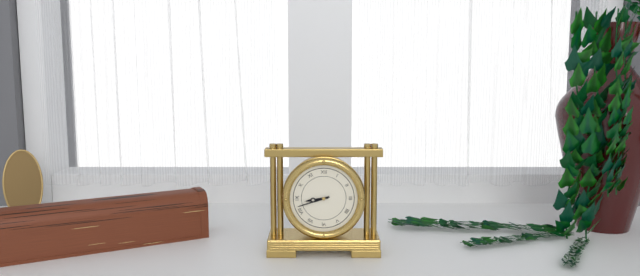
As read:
**8:42**
